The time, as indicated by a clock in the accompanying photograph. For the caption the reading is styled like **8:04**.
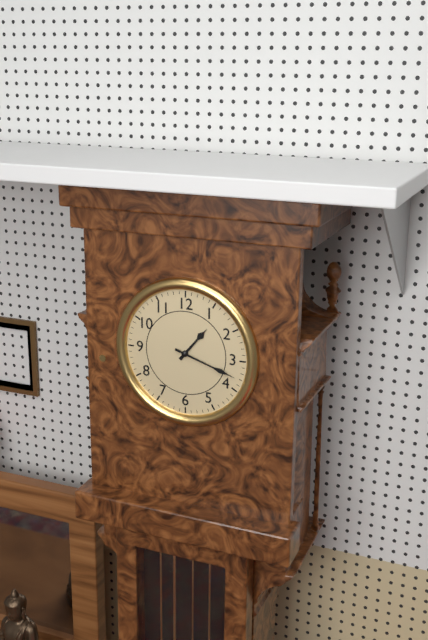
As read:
**1:18**
